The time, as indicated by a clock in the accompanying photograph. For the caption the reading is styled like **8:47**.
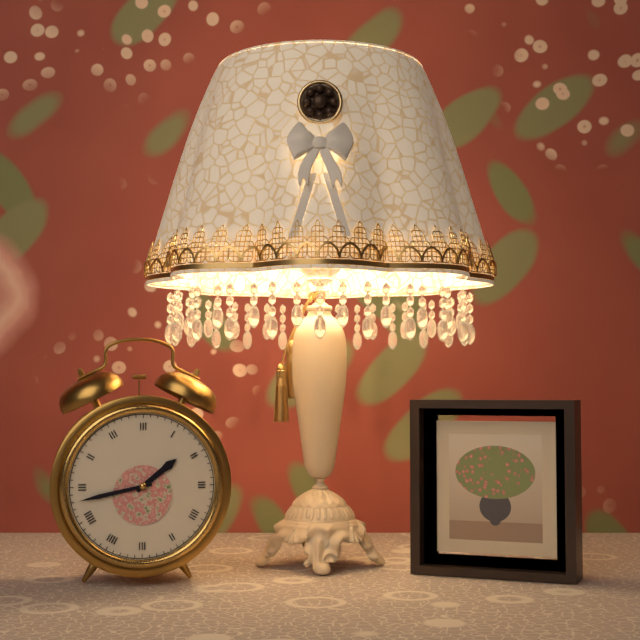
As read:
**1:43**
